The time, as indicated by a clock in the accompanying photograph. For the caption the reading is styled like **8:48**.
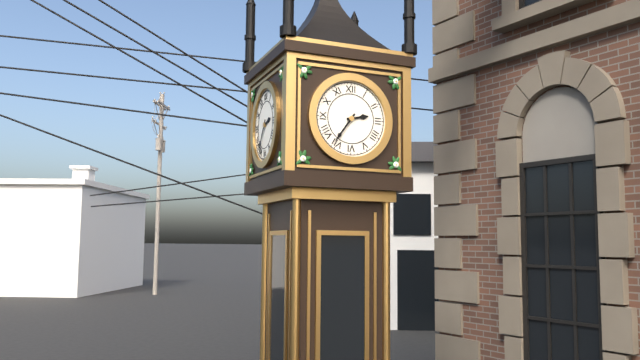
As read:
**2:36**
